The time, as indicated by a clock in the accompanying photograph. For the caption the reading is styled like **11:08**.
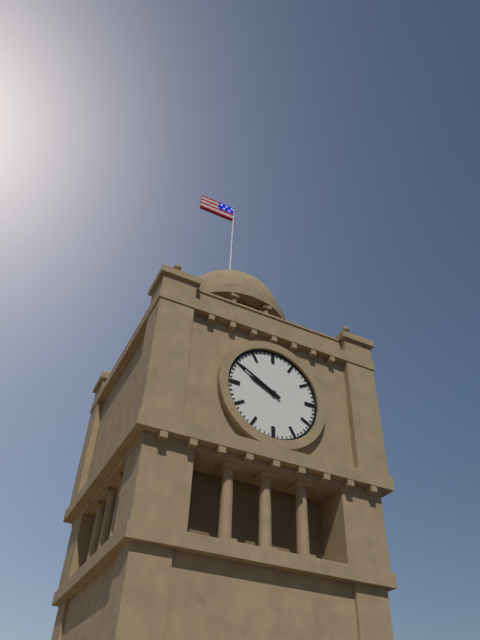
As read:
**9:50**
